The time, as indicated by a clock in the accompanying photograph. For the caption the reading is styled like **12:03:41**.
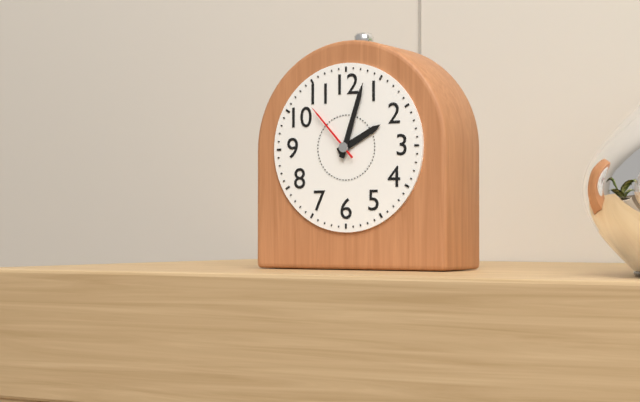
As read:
**2:03:53**
